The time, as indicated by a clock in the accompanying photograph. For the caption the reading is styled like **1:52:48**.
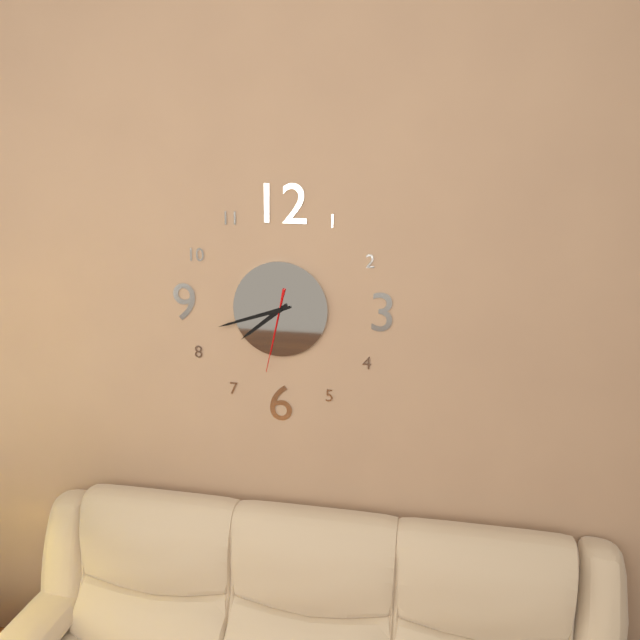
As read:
**7:42:32**
